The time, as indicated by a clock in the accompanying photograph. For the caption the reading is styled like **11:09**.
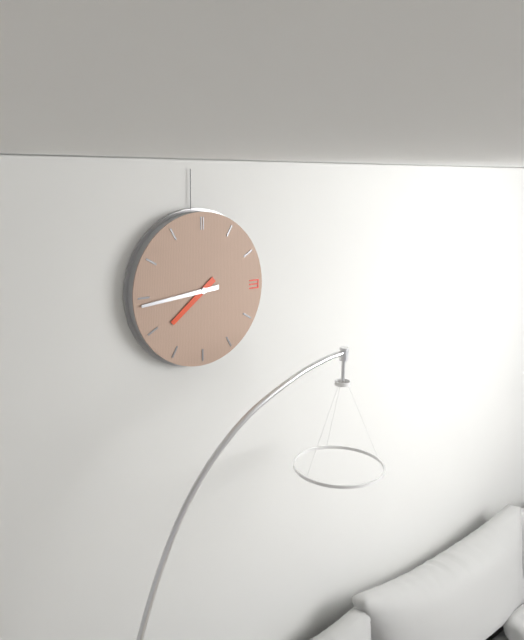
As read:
**7:44**
